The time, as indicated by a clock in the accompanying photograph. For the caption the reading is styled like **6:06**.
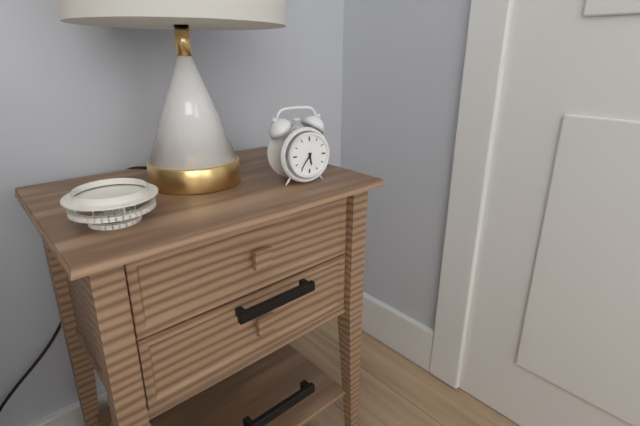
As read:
**5:36**
